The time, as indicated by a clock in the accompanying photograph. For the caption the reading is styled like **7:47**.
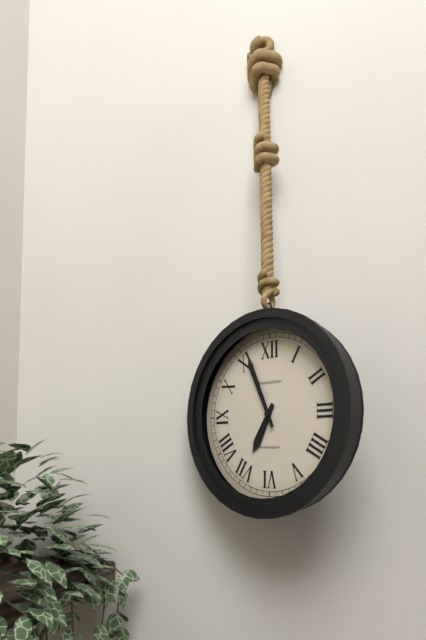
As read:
**6:56**
